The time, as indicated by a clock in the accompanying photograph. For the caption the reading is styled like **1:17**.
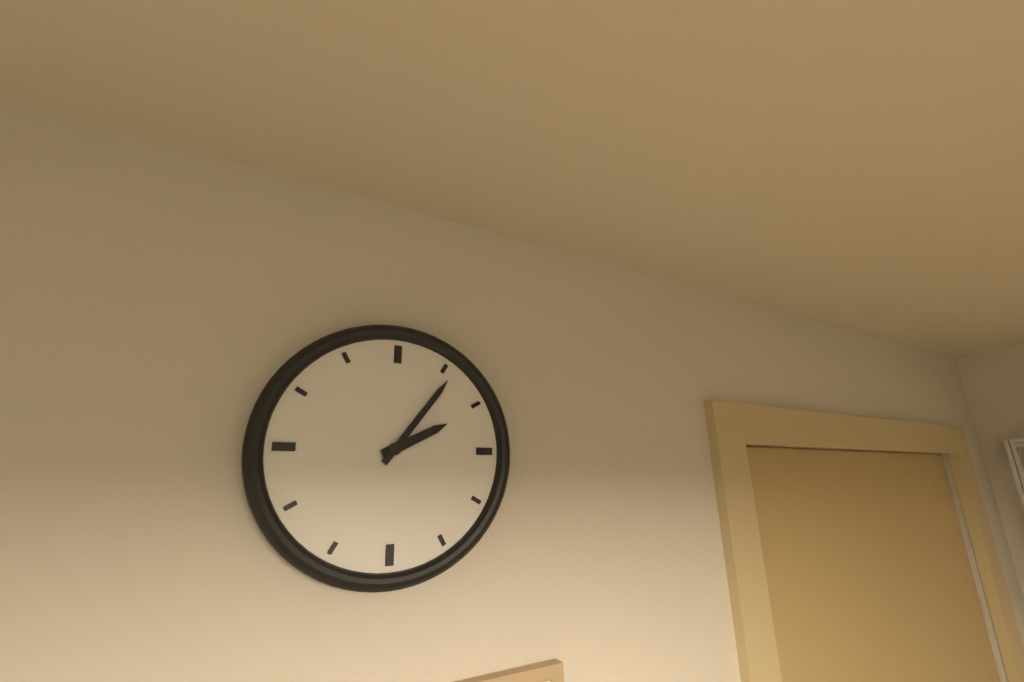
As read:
**2:06**
